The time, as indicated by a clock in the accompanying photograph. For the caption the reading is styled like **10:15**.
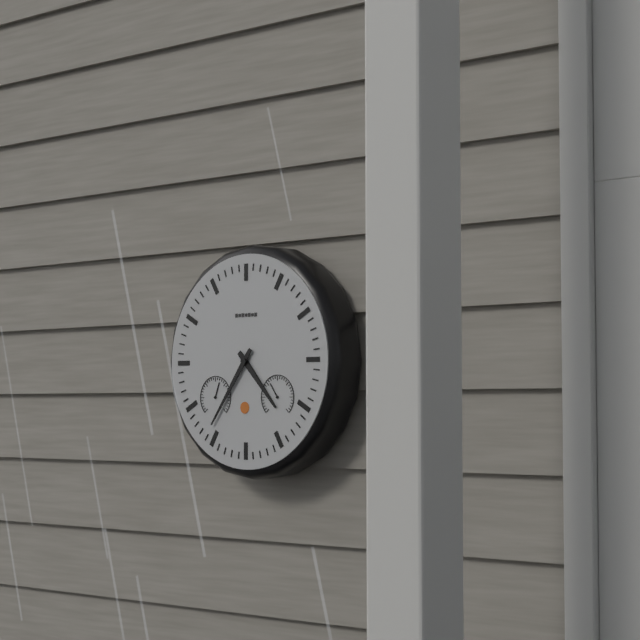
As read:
**4:36**
